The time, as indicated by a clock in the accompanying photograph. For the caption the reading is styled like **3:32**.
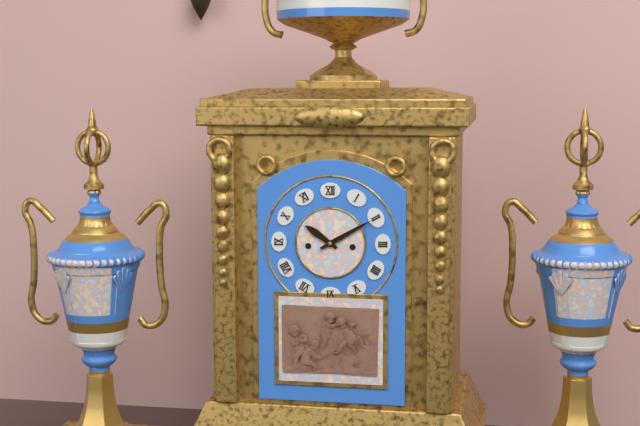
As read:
**10:10**
